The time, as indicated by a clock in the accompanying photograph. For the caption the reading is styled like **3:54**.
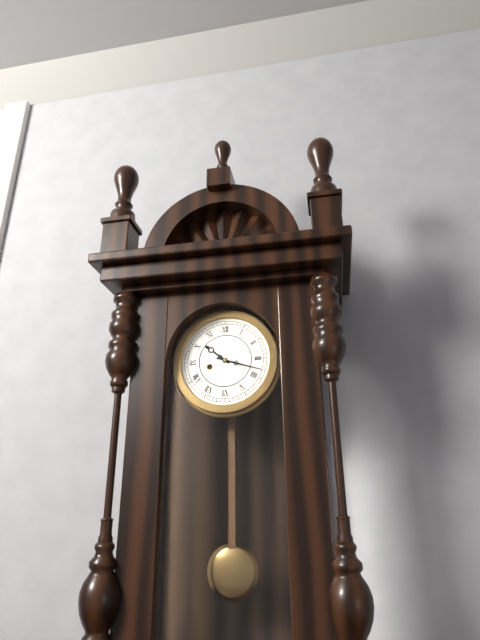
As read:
**10:18**
